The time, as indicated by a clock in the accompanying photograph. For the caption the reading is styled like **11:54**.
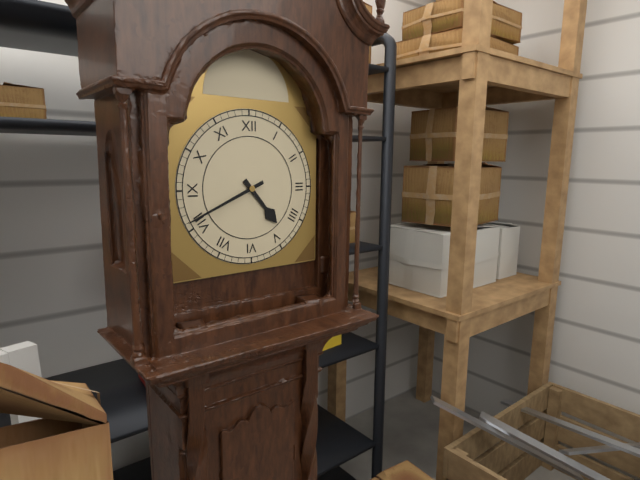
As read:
**4:41**
